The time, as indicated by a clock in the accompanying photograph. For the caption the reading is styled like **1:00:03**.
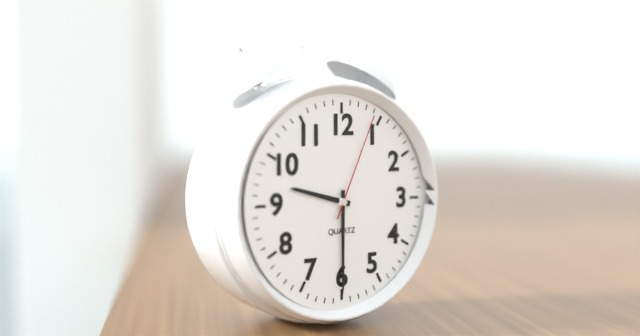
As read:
**9:30:04**
